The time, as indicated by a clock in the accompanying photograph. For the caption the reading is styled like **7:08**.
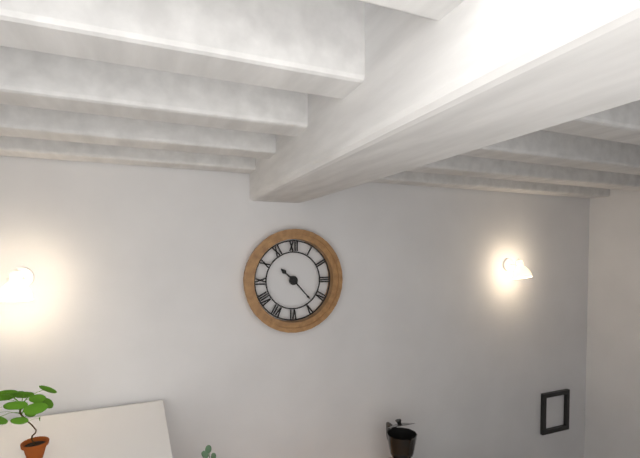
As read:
**10:23**
